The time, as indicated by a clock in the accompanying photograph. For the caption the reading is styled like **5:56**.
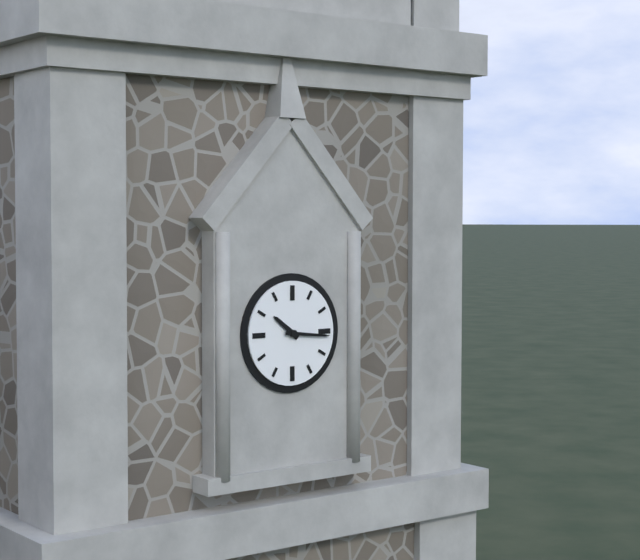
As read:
**10:16**
